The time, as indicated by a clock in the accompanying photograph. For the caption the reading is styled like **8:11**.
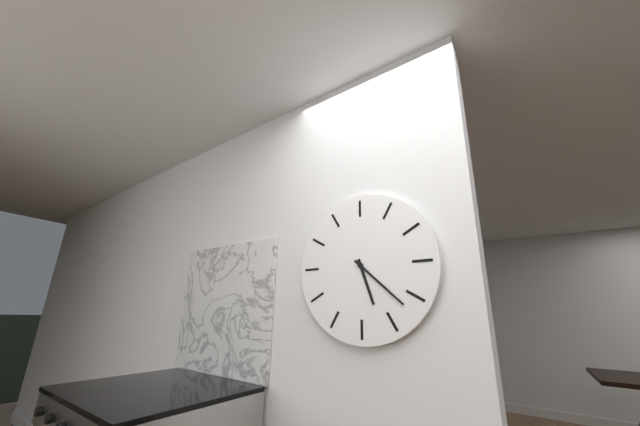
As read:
**5:22**
